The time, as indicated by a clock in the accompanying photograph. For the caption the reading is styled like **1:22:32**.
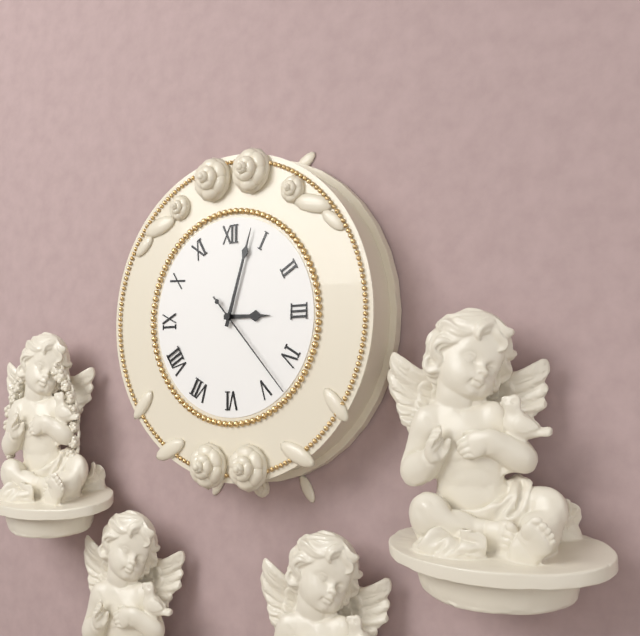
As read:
**3:03:23**
